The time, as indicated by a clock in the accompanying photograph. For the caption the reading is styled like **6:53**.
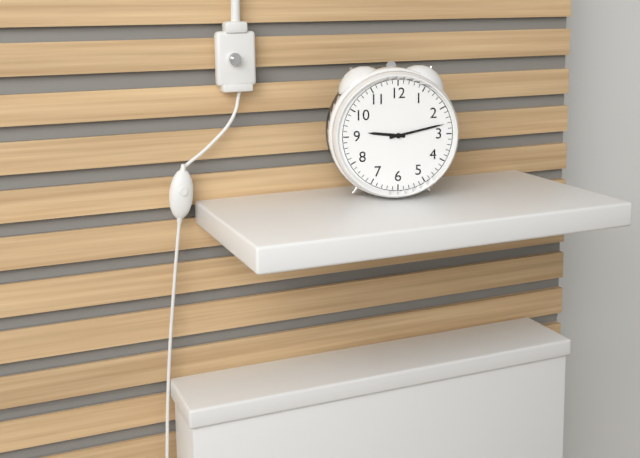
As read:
**9:13**
